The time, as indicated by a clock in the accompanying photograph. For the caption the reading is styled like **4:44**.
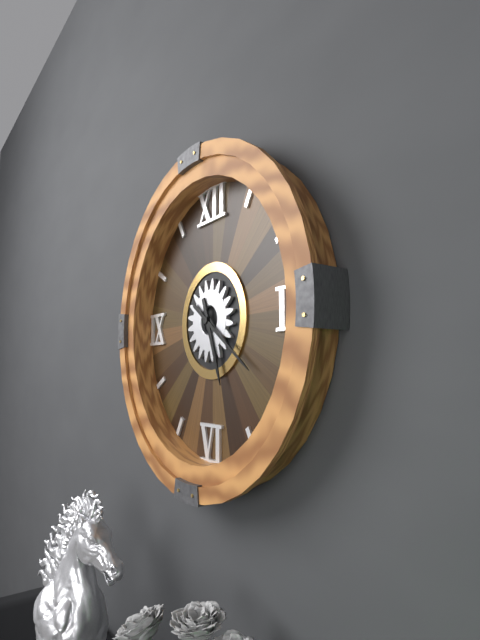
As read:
**5:21**
